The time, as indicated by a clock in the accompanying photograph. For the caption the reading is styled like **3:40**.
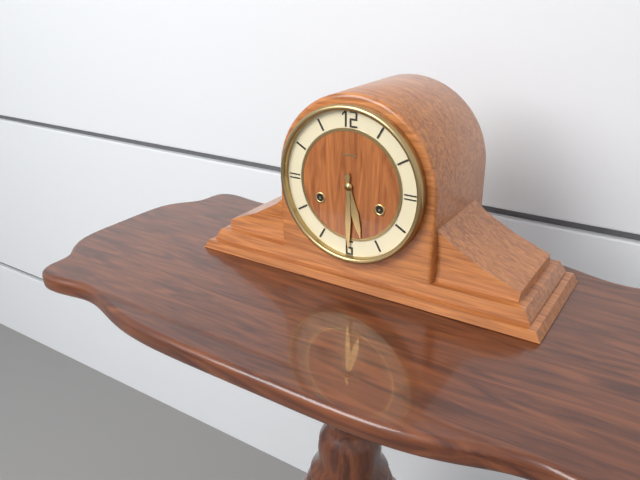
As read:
**5:30**
